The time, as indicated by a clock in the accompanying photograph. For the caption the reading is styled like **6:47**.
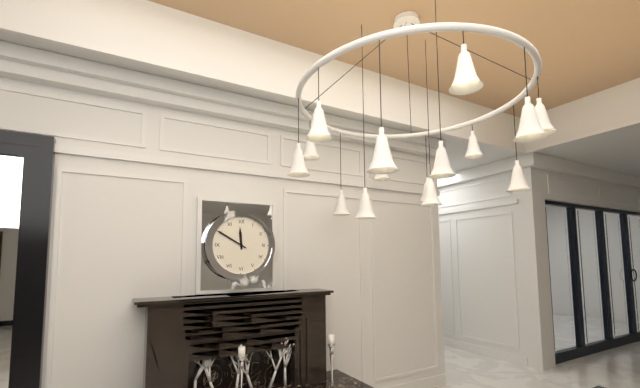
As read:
**11:50**
